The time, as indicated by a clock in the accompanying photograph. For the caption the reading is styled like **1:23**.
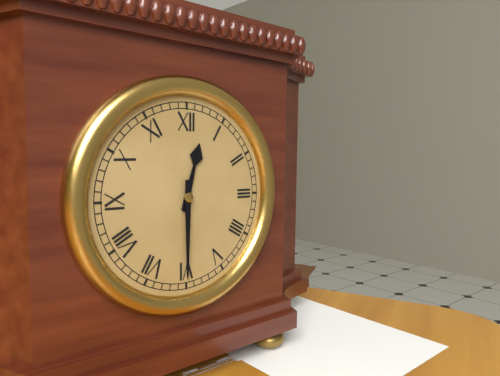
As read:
**12:30**
